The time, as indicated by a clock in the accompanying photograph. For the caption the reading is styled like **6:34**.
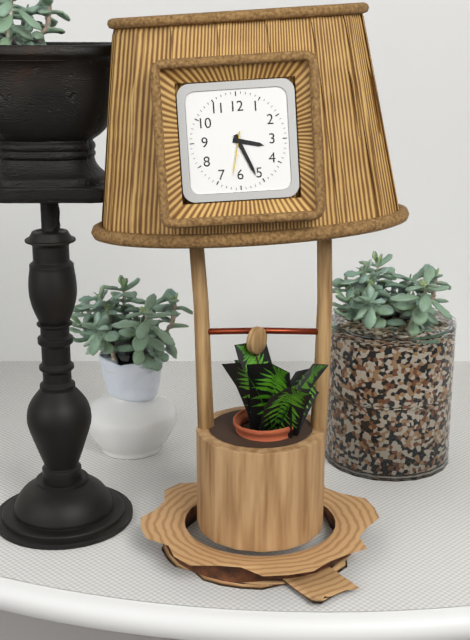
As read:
**3:26**
